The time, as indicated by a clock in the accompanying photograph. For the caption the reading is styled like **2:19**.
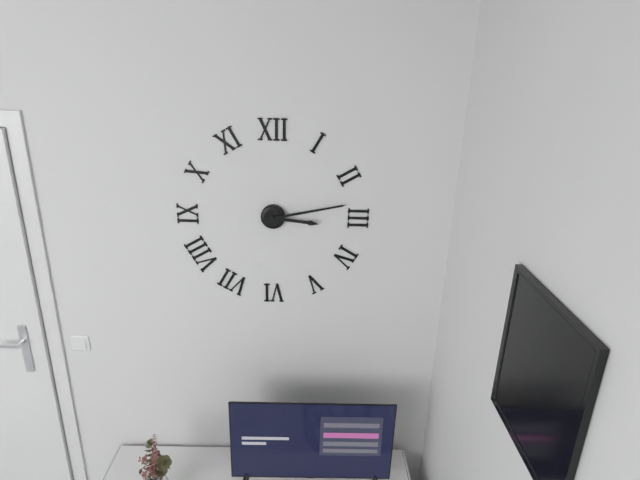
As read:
**3:13**
